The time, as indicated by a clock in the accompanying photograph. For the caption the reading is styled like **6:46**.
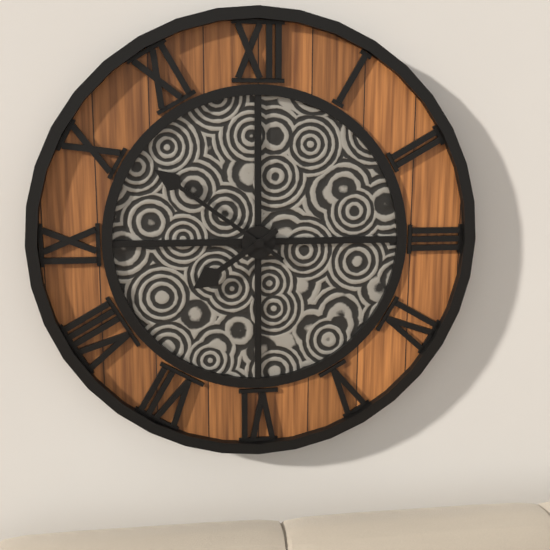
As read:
**7:51**
